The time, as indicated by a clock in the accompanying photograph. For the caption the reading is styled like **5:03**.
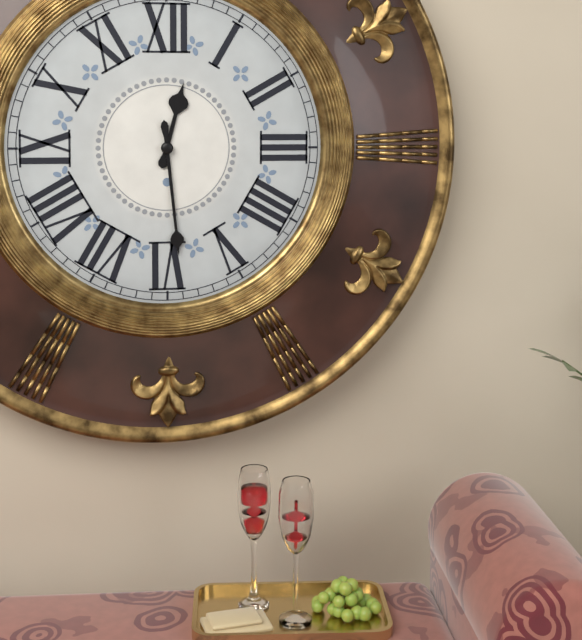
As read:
**12:29**
